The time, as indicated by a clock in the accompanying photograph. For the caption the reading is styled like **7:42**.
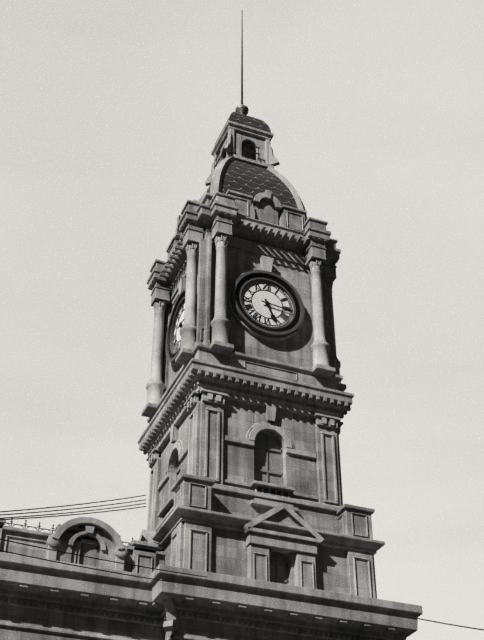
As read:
**5:16**
